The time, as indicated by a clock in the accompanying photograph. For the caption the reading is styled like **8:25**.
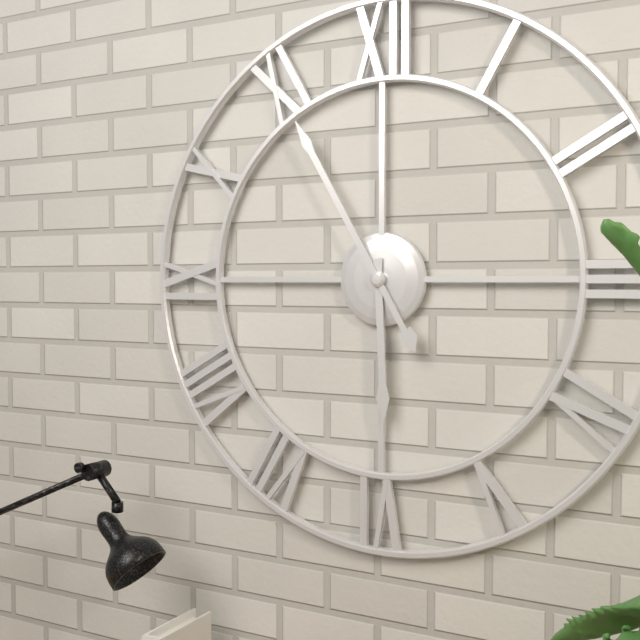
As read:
**5:55**
